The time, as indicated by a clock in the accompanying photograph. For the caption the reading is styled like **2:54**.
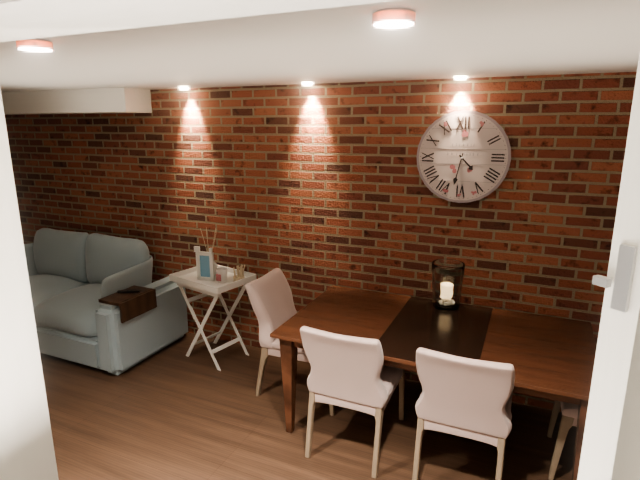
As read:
**4:32**
